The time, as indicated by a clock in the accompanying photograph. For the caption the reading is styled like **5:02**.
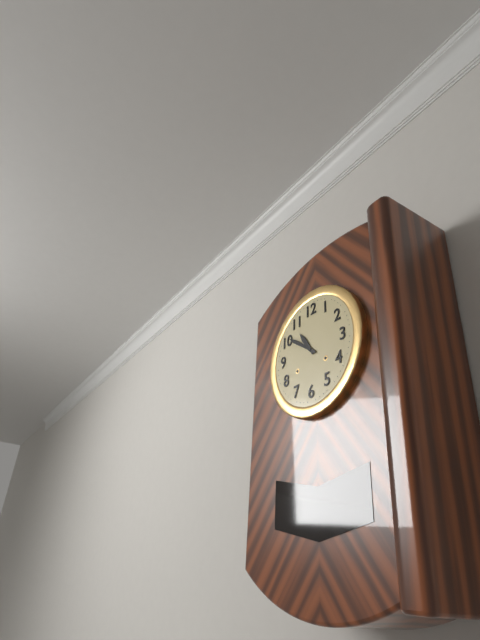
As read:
**10:51**
